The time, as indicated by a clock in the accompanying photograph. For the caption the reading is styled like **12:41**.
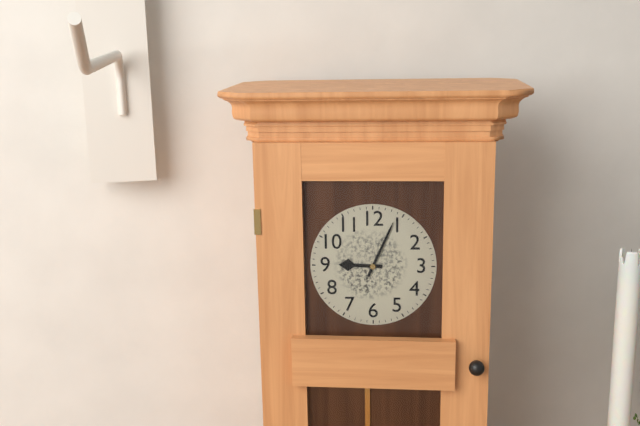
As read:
**9:04**
